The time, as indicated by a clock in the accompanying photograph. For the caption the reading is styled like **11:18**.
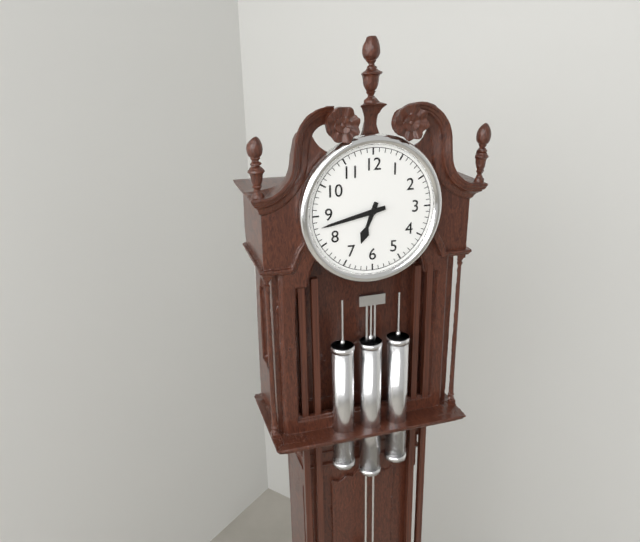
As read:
**6:43**
